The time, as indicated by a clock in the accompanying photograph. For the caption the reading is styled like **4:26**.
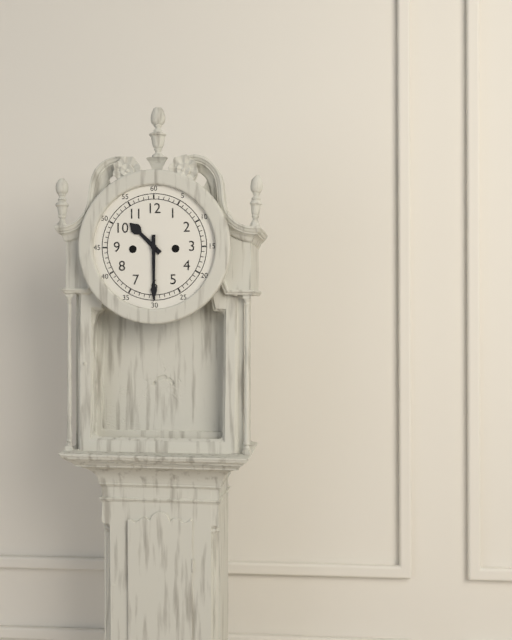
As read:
**10:30**
